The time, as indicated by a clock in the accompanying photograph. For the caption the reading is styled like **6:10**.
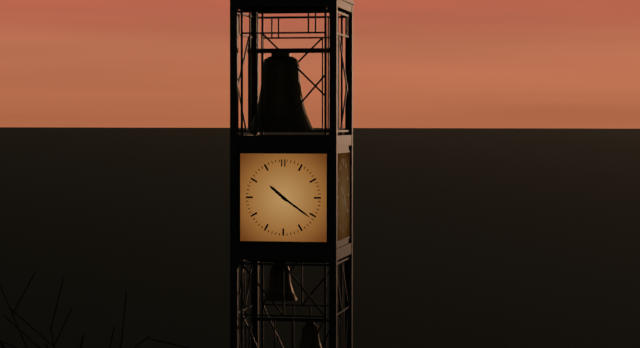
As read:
**10:21**
